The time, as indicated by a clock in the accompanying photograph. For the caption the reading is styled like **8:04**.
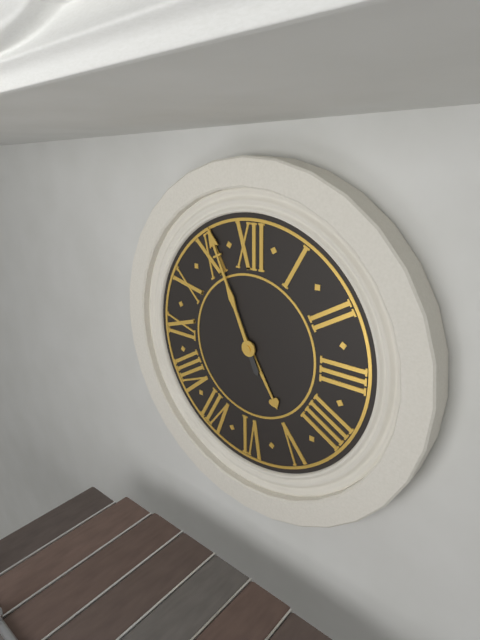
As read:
**4:56**
